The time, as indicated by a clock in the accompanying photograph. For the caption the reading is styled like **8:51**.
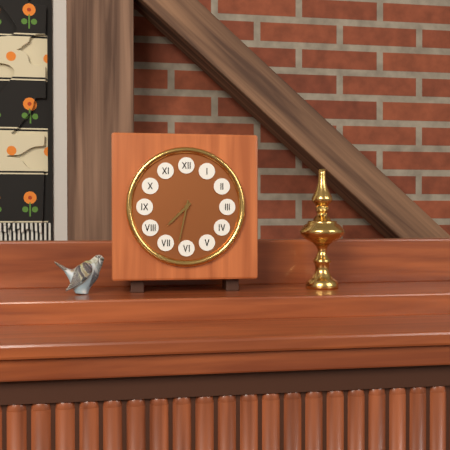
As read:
**7:32**
